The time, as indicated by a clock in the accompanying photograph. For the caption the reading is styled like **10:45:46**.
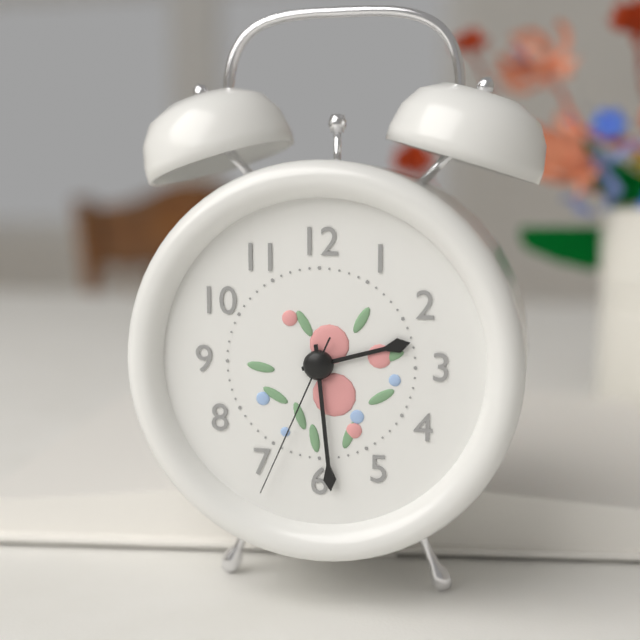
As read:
**2:29:34**
